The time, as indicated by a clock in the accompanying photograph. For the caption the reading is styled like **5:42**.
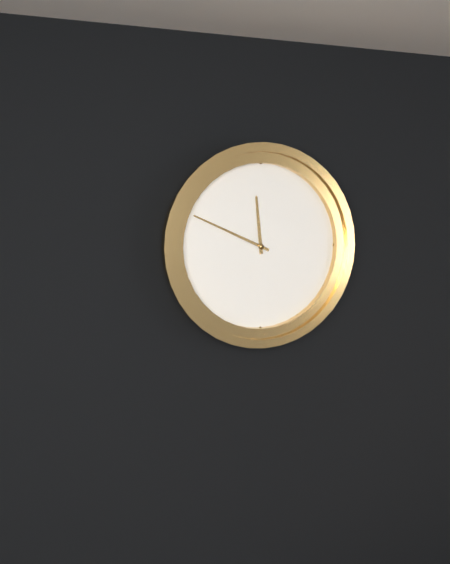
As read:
**11:49**
